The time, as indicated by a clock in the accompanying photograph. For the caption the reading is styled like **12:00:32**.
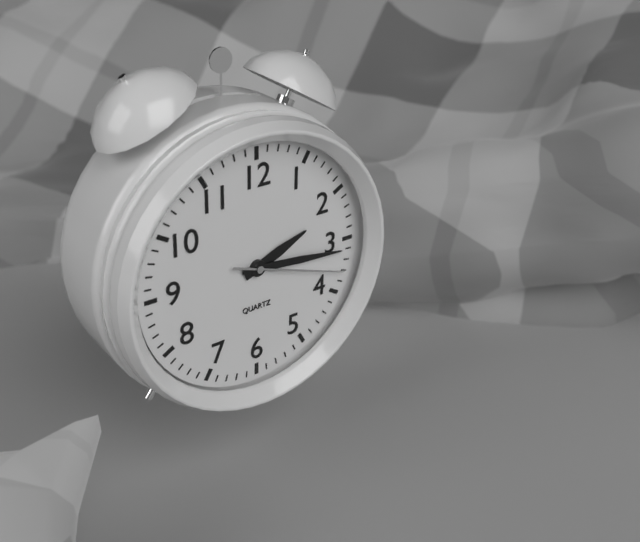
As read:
**2:16:18**
